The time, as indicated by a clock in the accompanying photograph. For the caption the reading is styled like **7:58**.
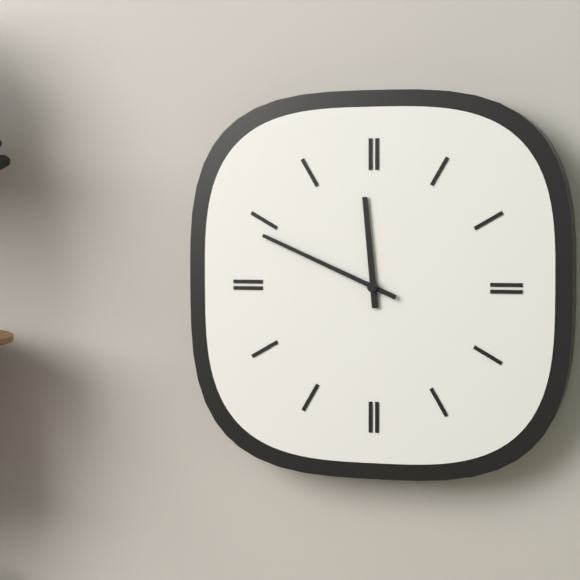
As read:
**11:49**
